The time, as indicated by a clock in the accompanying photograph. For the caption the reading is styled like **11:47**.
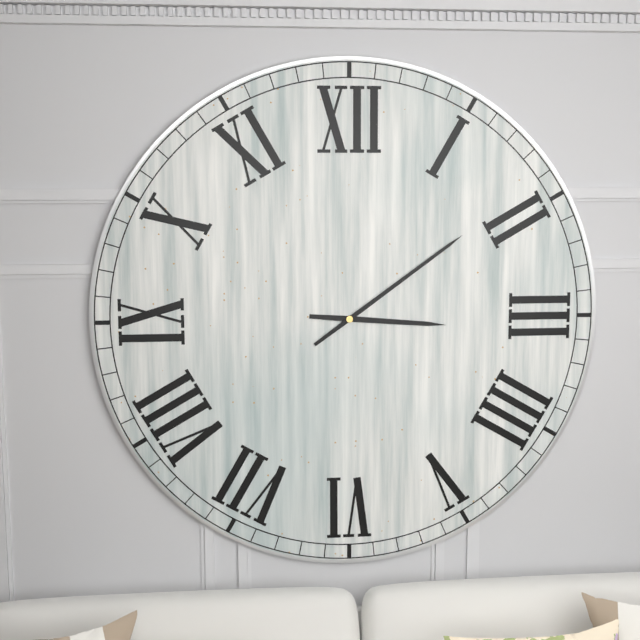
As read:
**3:09**
